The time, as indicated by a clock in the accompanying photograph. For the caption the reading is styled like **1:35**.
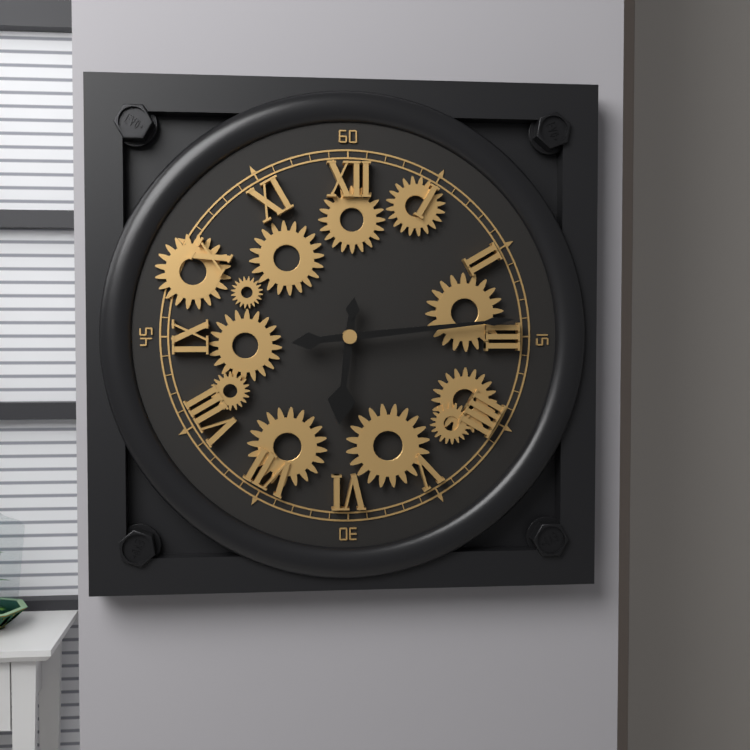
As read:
**6:14**
